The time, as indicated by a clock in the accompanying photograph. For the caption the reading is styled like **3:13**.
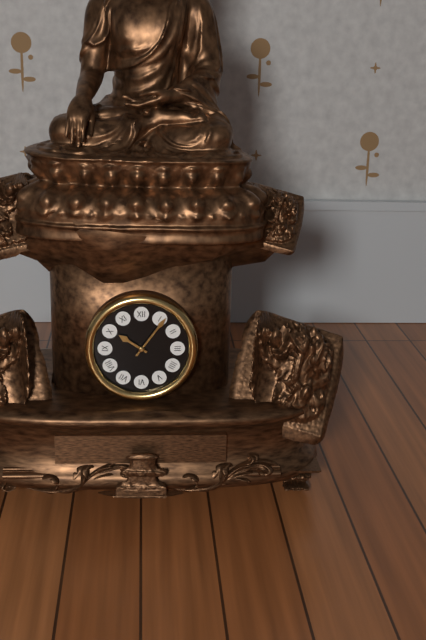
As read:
**10:06**
